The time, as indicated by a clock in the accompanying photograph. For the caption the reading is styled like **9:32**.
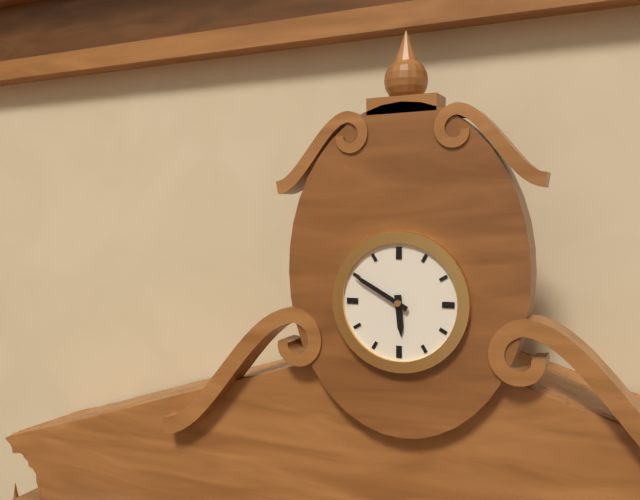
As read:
**5:50**
